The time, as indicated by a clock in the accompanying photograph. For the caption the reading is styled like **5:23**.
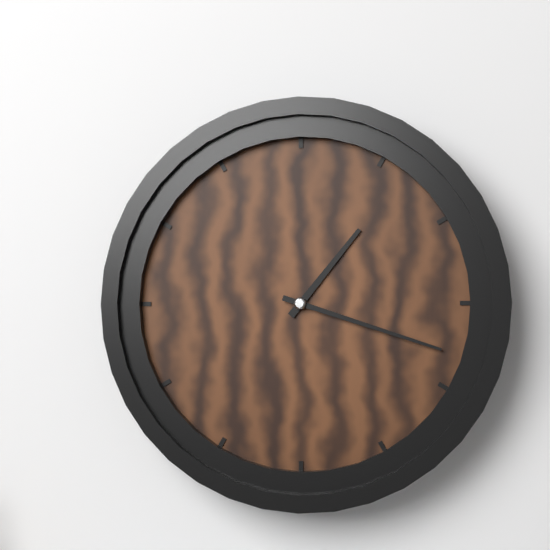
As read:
**1:18**
